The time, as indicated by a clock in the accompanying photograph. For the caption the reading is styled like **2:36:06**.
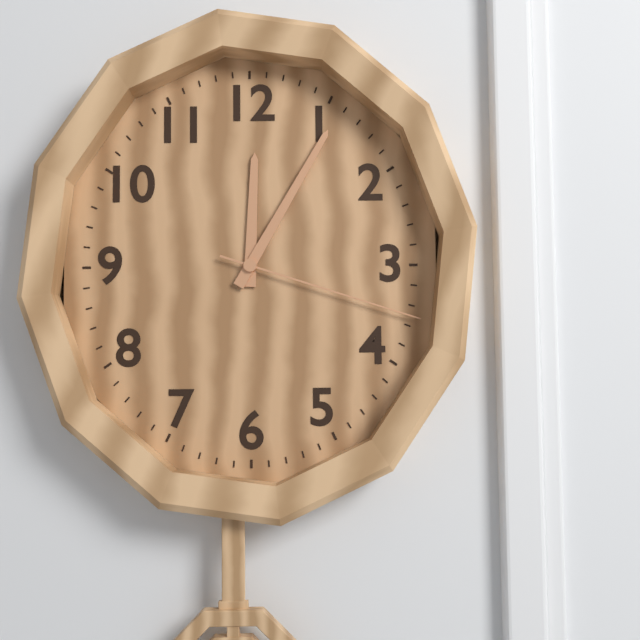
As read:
**12:05:18**
